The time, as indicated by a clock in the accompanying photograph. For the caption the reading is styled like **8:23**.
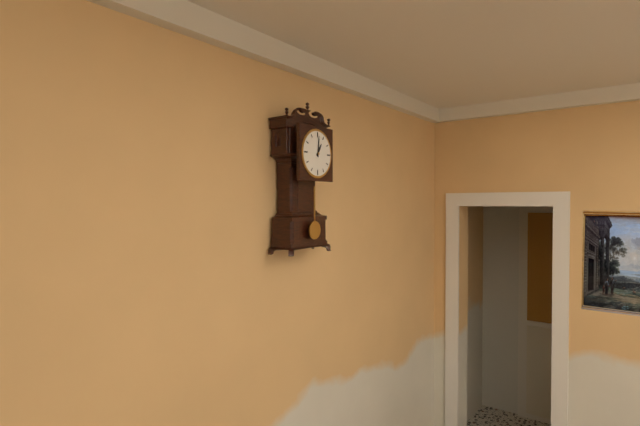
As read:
**1:01**
